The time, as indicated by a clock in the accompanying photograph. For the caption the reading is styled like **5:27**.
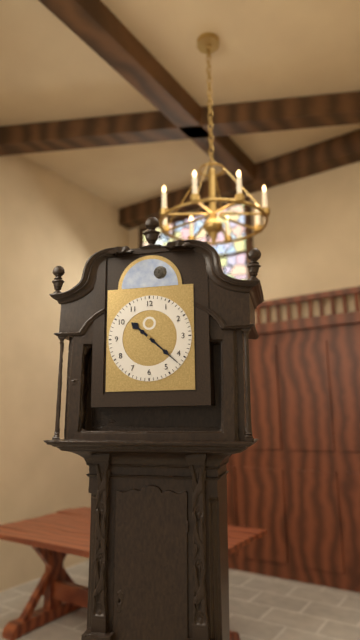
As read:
**10:22**
